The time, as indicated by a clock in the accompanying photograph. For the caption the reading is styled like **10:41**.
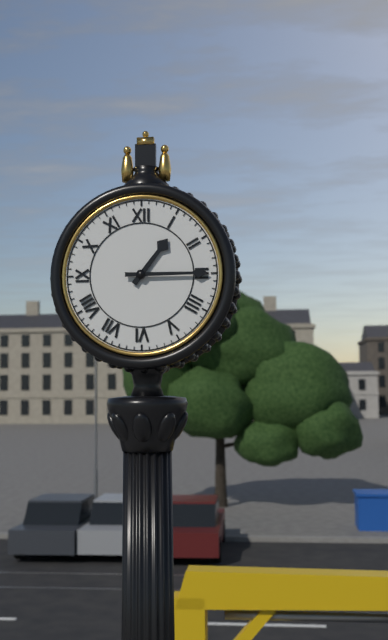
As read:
**1:15**
